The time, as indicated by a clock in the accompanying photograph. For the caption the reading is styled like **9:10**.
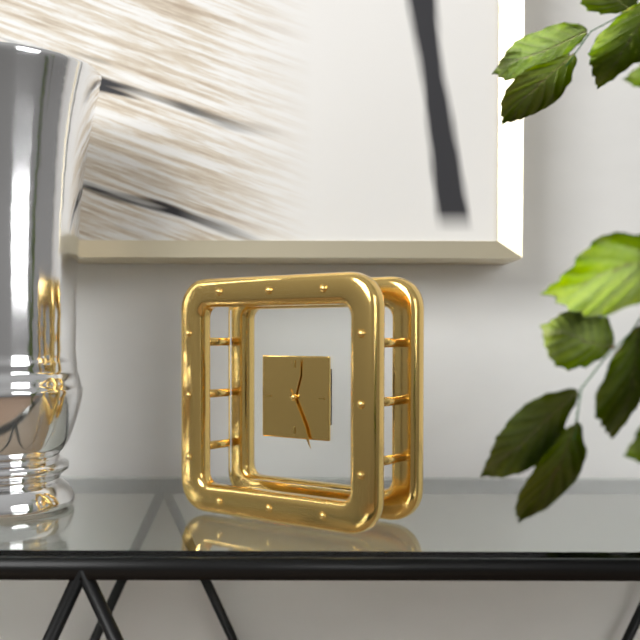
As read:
**12:26**
